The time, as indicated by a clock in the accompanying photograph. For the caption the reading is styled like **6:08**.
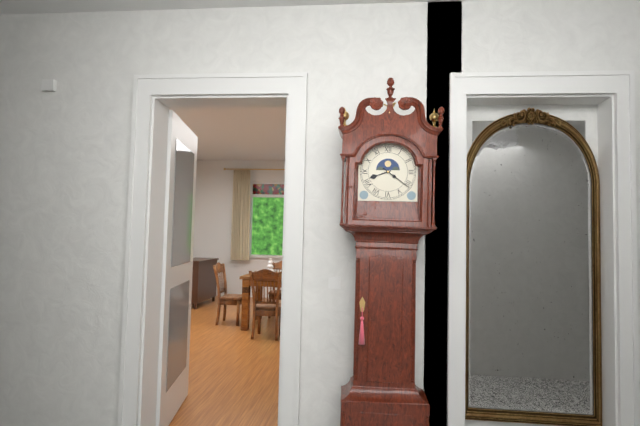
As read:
**8:21**
